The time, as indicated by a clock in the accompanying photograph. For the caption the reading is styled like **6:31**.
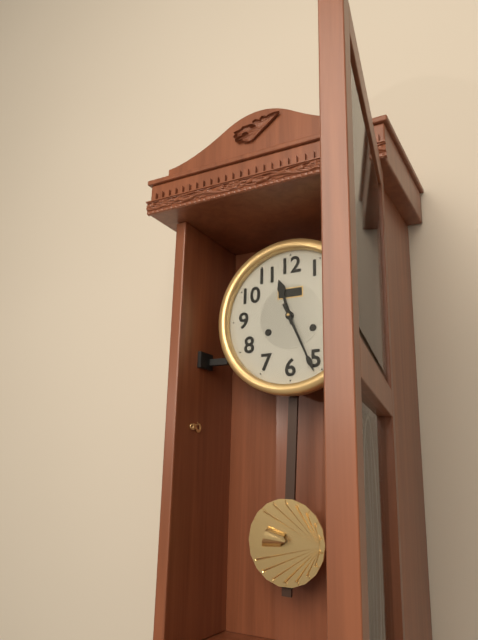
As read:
**11:26**
